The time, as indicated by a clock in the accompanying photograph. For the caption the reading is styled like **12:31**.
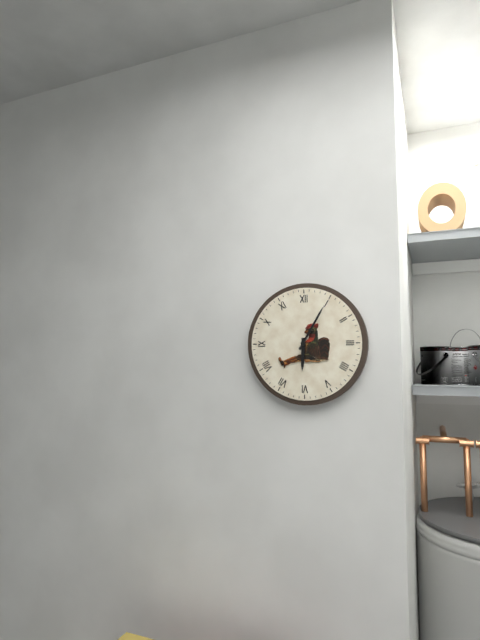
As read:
**6:05**
